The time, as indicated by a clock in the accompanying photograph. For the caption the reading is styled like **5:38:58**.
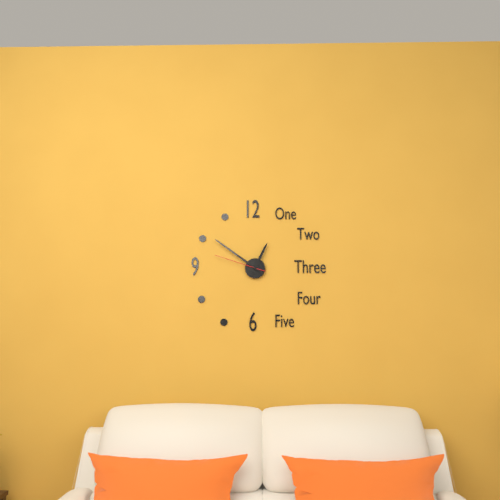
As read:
**12:51:48**
